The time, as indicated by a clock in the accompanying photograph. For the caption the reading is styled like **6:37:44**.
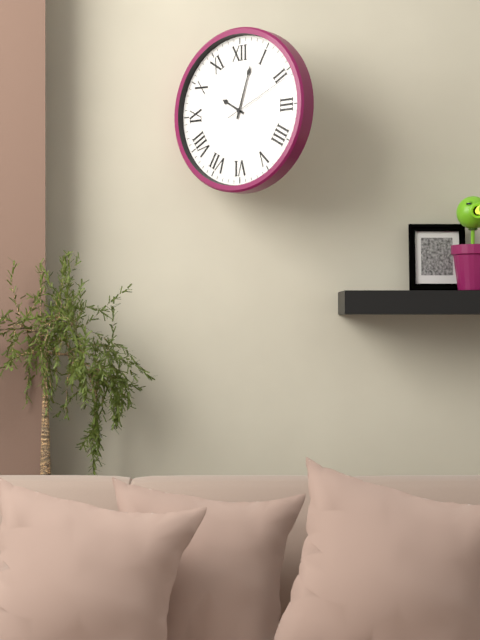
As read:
**10:03:11**
